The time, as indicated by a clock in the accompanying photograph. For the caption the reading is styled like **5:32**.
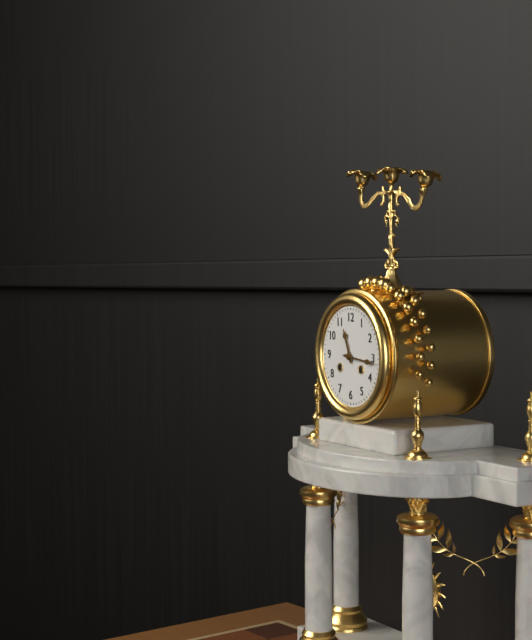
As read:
**11:16**
